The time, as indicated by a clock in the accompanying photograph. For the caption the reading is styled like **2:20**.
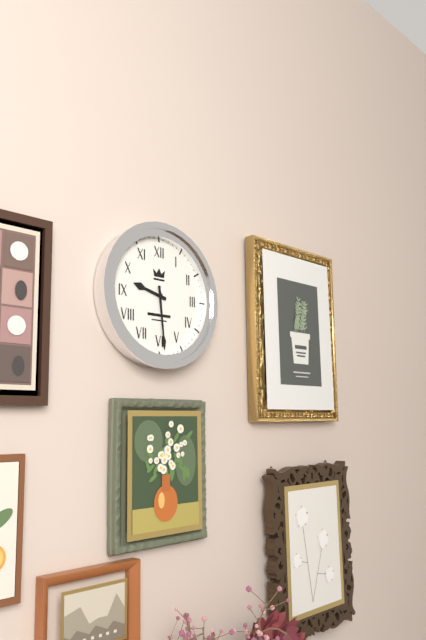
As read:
**9:29**
